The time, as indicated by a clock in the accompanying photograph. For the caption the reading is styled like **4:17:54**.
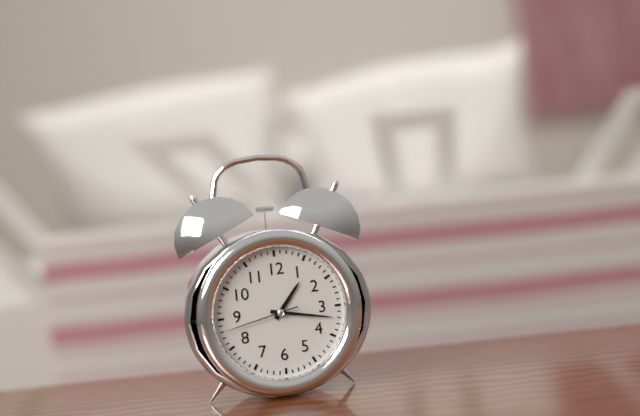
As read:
**1:17:43**
